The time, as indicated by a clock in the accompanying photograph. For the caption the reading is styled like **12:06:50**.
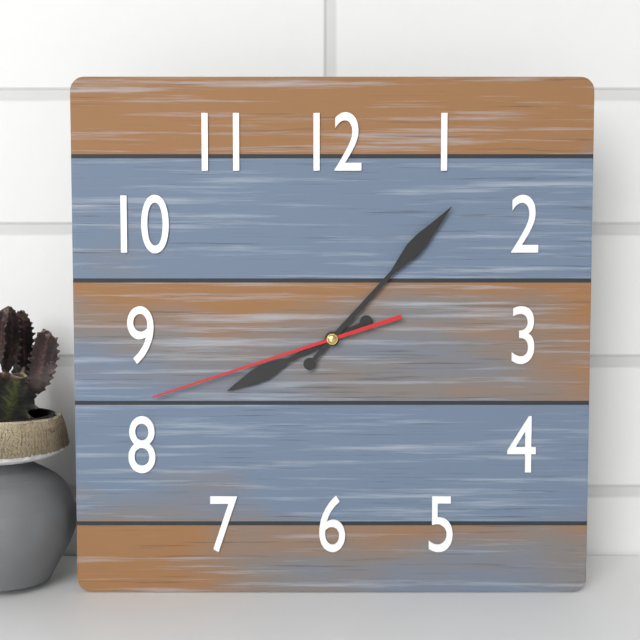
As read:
**8:07:42**
